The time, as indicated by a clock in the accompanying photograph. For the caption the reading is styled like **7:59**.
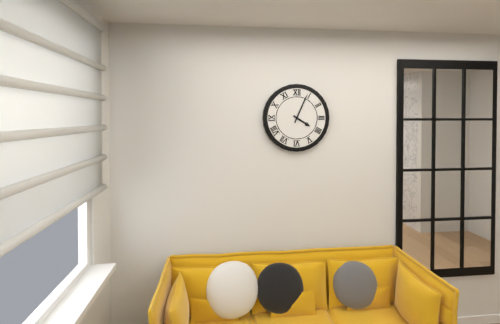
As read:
**4:04**
